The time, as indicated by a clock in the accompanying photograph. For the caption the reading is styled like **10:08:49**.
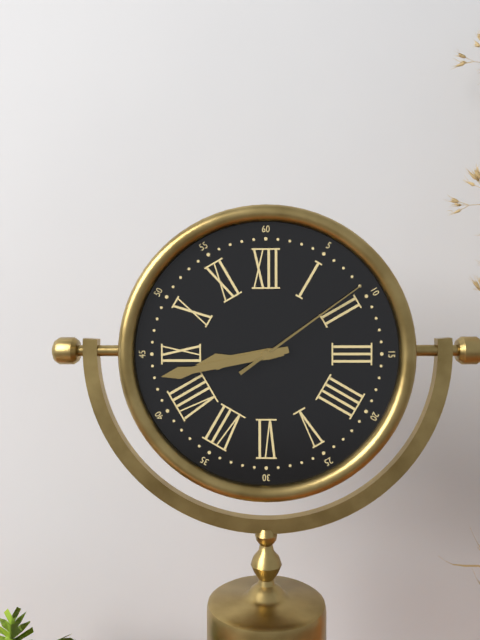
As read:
**8:43:09**
